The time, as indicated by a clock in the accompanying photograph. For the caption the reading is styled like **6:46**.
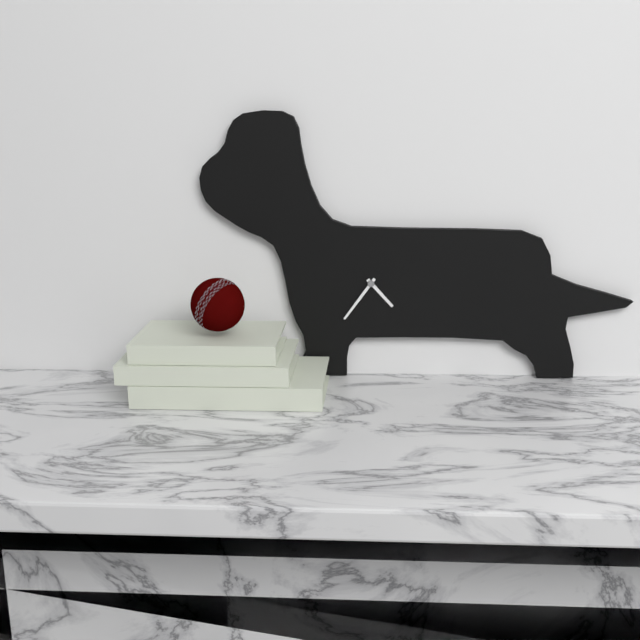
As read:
**4:36**
